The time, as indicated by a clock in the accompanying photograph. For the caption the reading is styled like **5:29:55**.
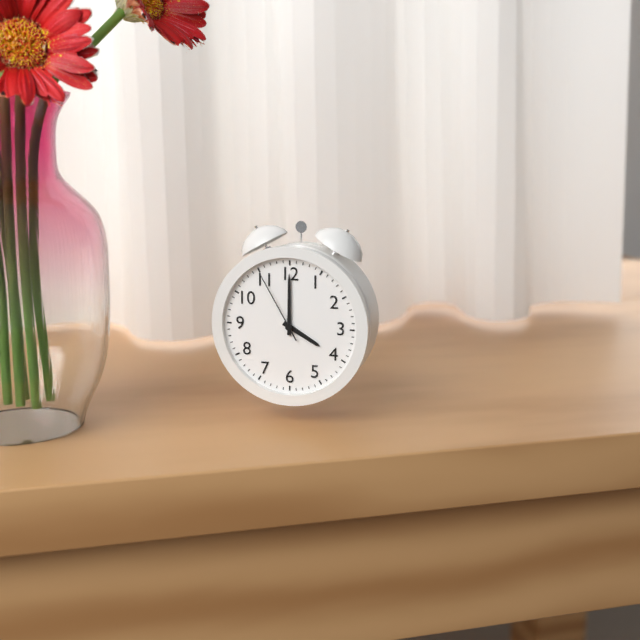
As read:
**4:00:55**
